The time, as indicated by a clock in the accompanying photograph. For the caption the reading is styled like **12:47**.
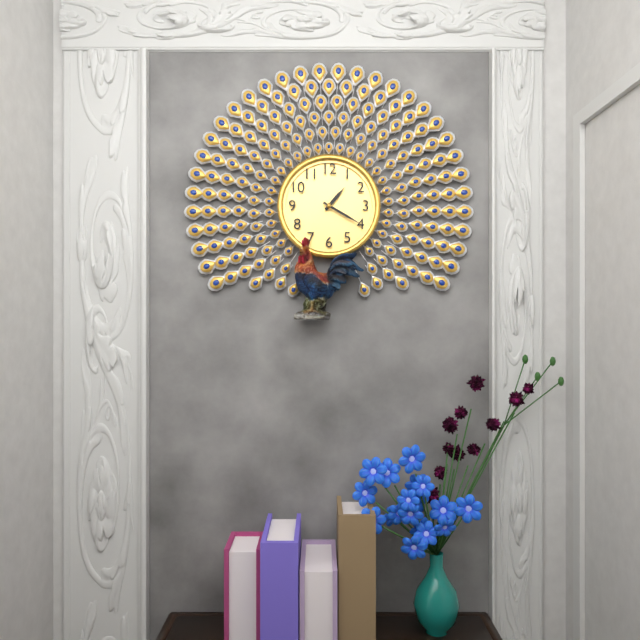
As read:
**1:20**
